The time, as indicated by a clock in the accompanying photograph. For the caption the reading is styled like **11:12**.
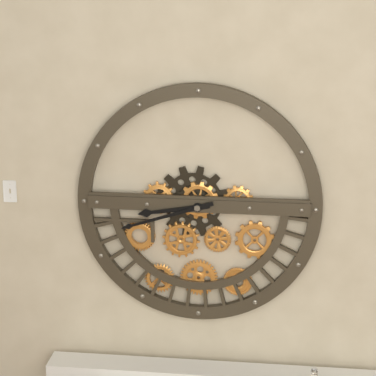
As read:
**8:42**
